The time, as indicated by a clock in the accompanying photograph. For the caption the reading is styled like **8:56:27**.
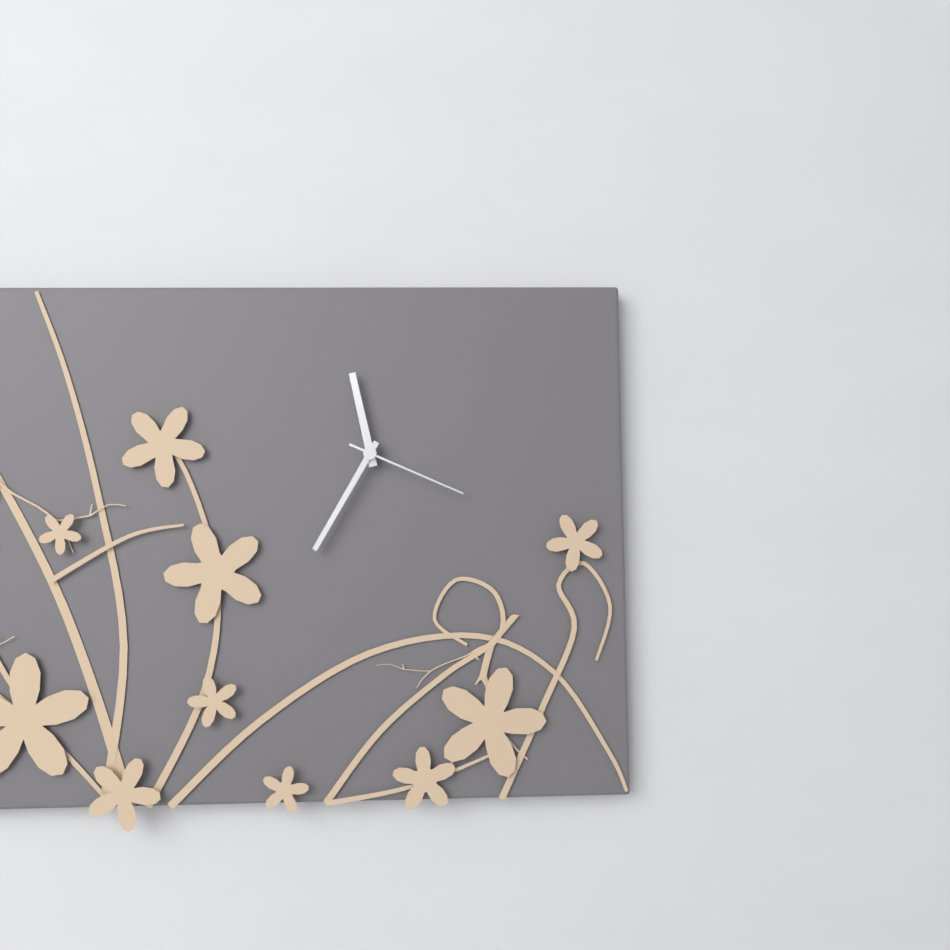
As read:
**11:35:19**
